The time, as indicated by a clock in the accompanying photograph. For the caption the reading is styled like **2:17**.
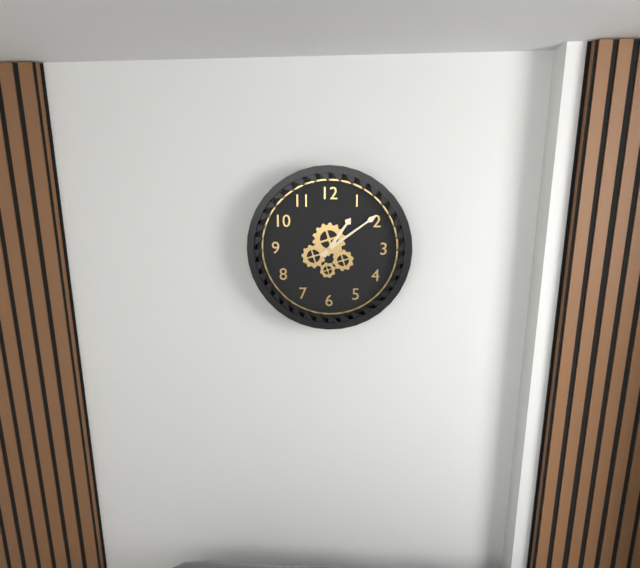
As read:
**1:09**
